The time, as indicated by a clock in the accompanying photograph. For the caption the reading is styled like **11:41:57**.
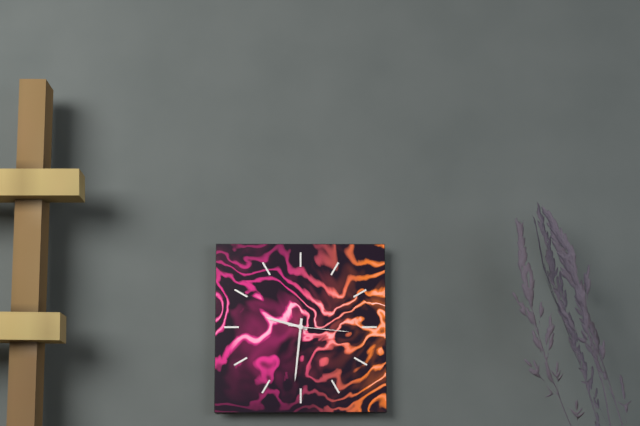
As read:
**9:31:16**
